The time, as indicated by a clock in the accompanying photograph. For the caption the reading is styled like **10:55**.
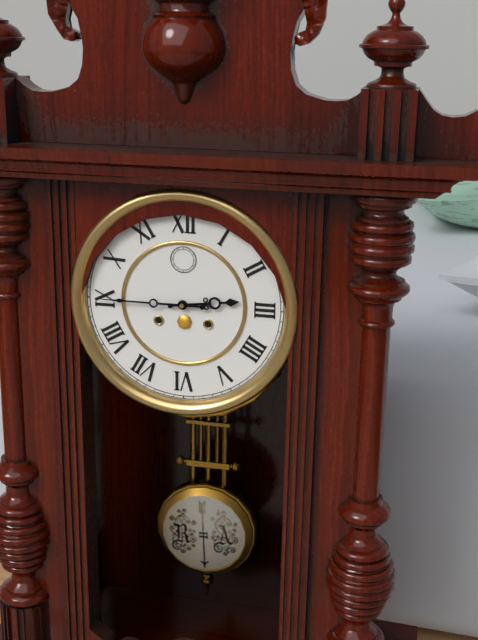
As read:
**2:45**
